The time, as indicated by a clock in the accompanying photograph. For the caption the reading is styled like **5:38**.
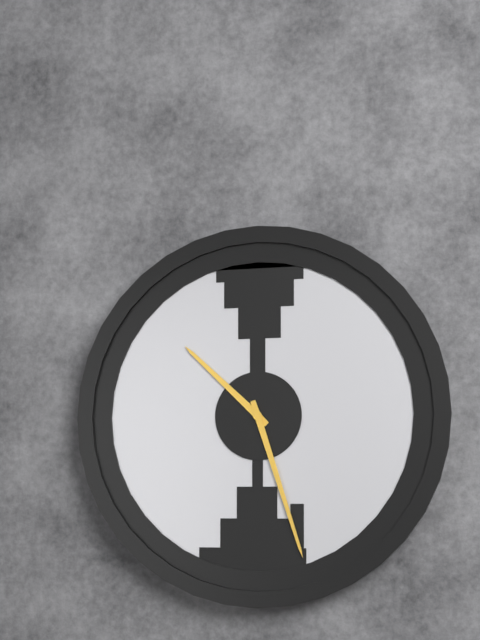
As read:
**10:27**
